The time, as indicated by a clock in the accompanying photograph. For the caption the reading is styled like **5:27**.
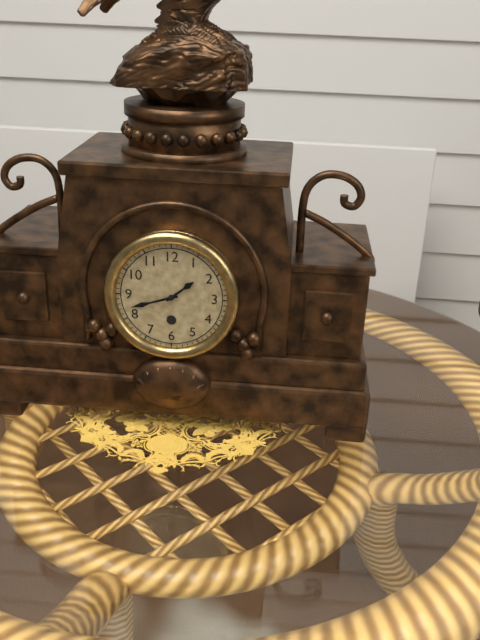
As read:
**1:42**
